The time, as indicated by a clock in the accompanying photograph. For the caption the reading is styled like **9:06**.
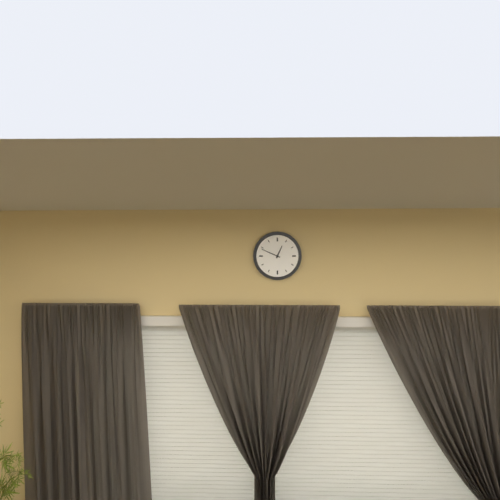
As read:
**12:49**
